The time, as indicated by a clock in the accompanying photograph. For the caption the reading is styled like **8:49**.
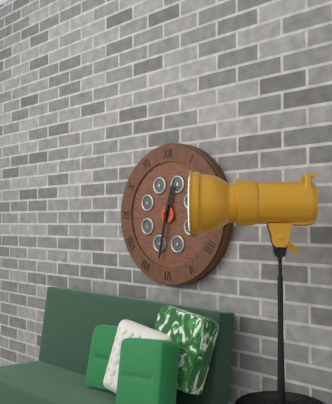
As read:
**12:32**
